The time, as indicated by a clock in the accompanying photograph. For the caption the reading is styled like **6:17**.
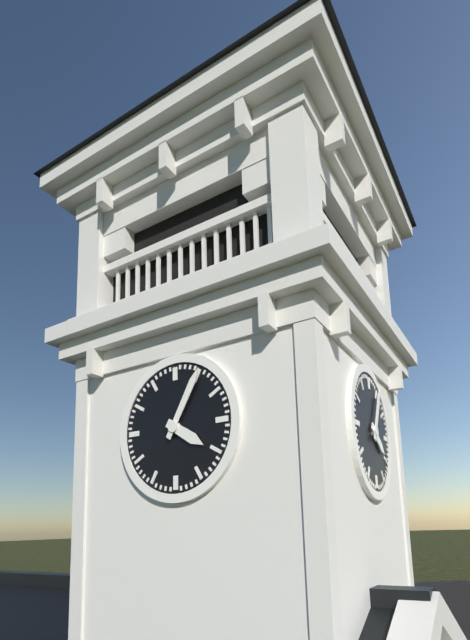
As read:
**4:05**
